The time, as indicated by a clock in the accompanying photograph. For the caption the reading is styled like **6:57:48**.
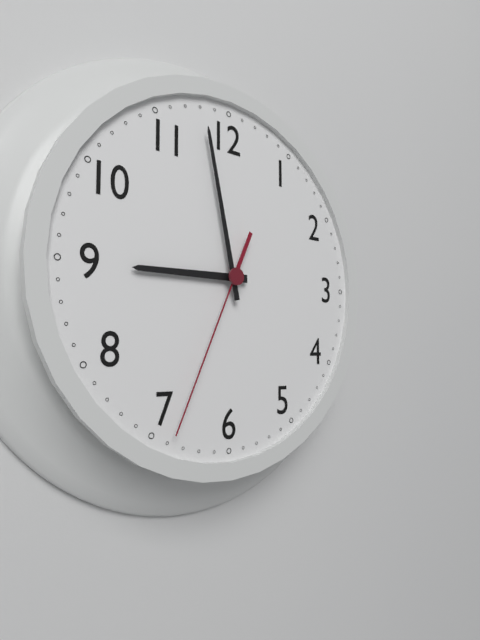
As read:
**8:58:34**
